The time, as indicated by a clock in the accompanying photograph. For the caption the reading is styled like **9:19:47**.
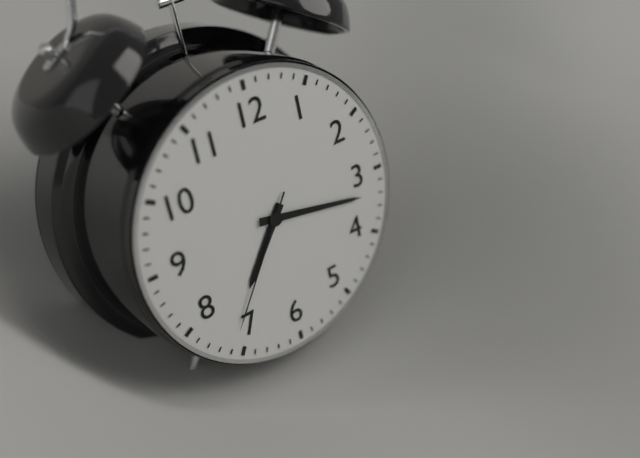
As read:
**7:17:36**
